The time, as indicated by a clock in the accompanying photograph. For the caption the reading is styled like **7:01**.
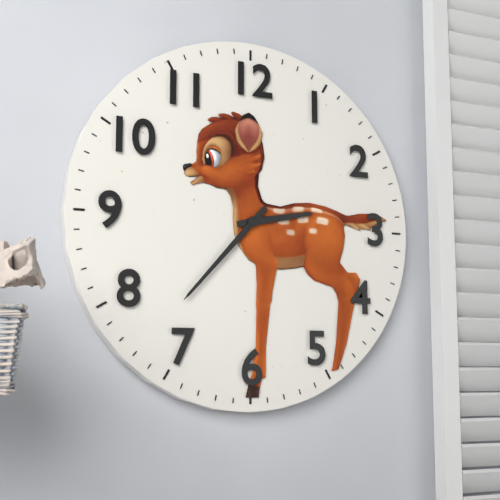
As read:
**2:37**
